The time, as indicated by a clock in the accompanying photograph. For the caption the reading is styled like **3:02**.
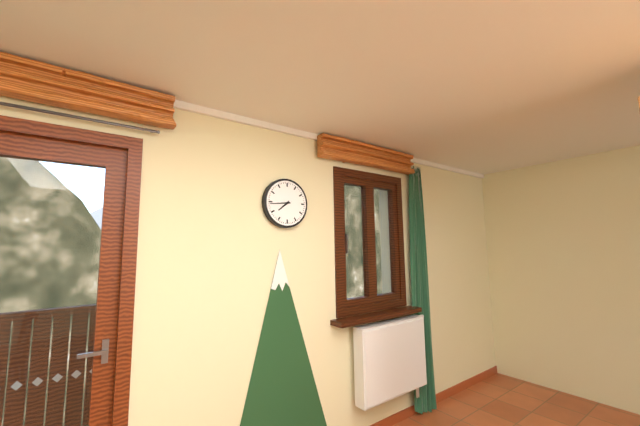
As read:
**7:44**
